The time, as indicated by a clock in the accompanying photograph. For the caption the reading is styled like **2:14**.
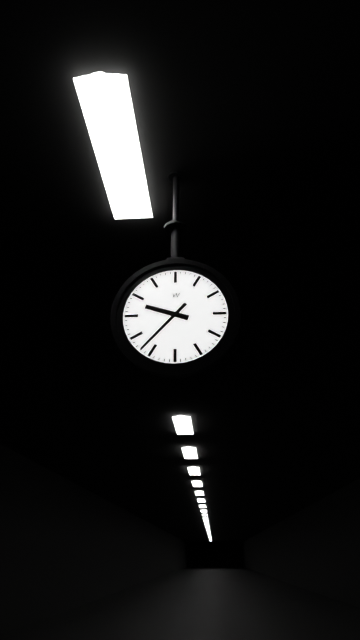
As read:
**9:37**
